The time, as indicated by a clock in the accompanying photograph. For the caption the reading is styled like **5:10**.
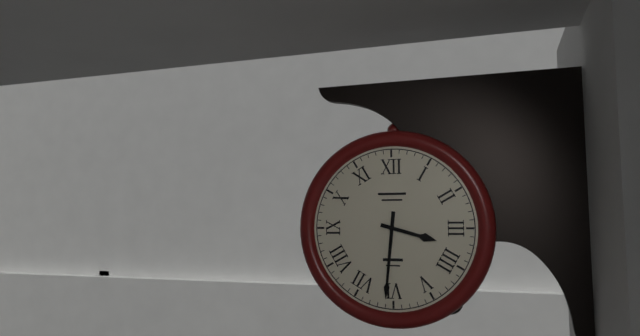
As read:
**3:31**
